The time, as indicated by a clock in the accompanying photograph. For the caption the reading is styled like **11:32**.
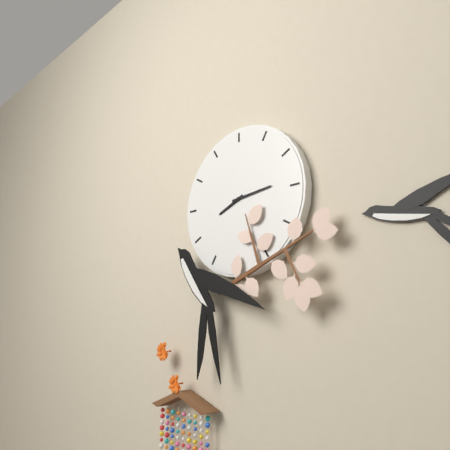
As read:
**8:14**
